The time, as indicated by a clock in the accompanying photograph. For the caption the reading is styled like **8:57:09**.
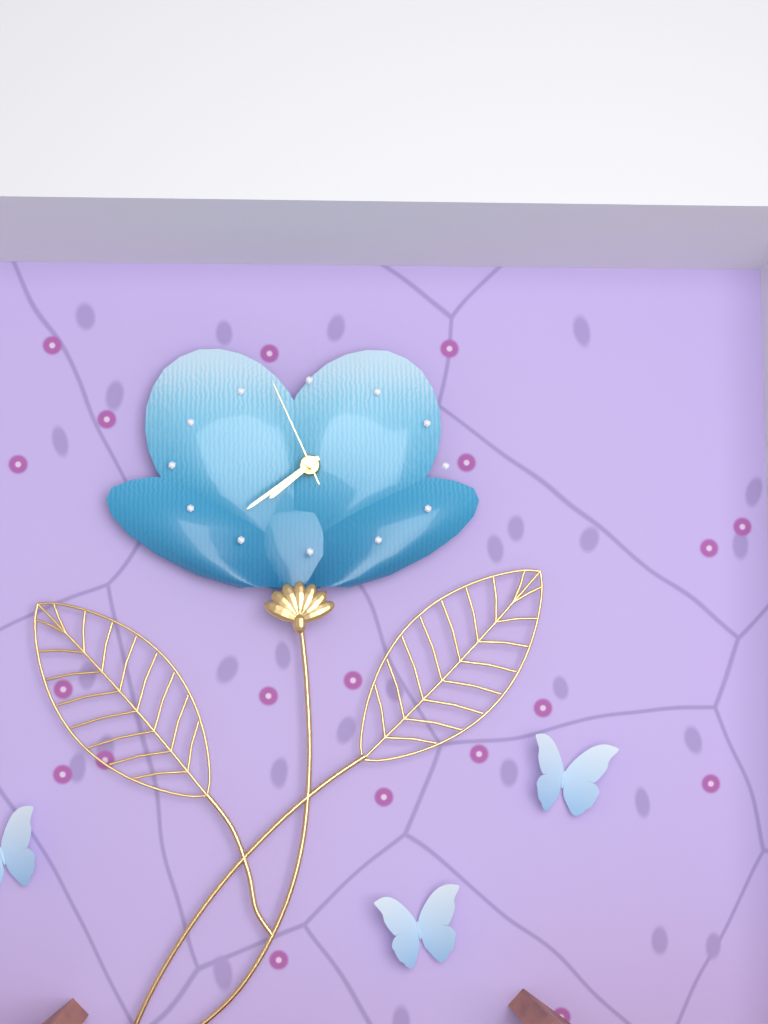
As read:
**7:39:56**
